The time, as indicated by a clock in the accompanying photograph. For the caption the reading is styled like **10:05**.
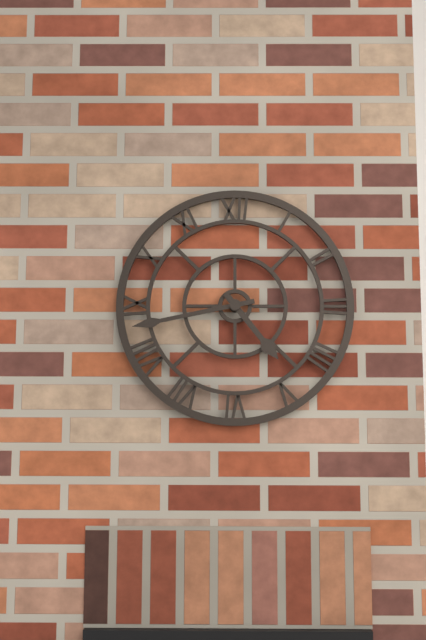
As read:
**4:43**
